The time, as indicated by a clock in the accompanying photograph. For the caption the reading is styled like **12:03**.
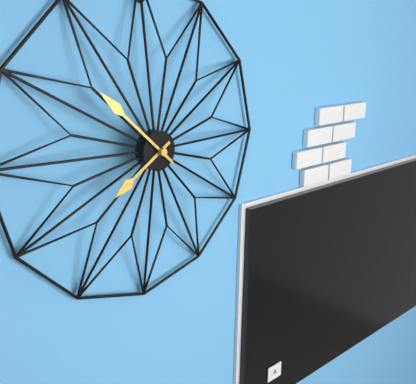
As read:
**7:52**
